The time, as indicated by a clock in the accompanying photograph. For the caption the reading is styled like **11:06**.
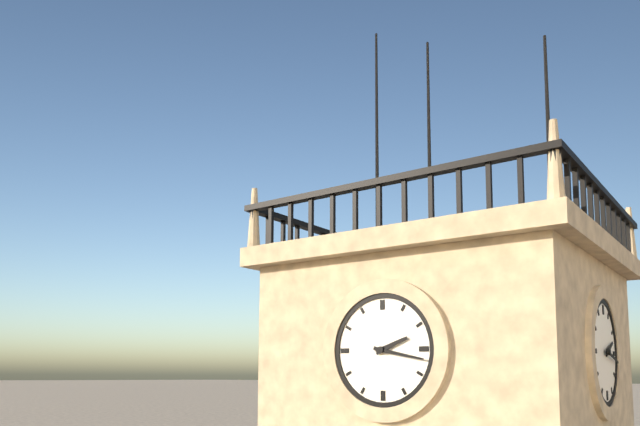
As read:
**2:17**
